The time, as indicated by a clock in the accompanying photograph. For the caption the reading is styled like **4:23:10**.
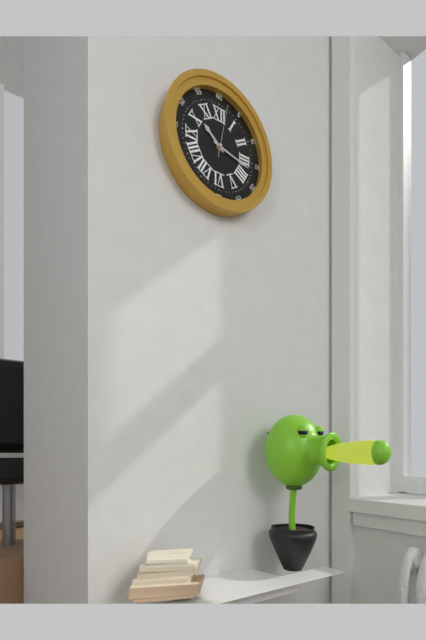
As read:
**10:17:02**
